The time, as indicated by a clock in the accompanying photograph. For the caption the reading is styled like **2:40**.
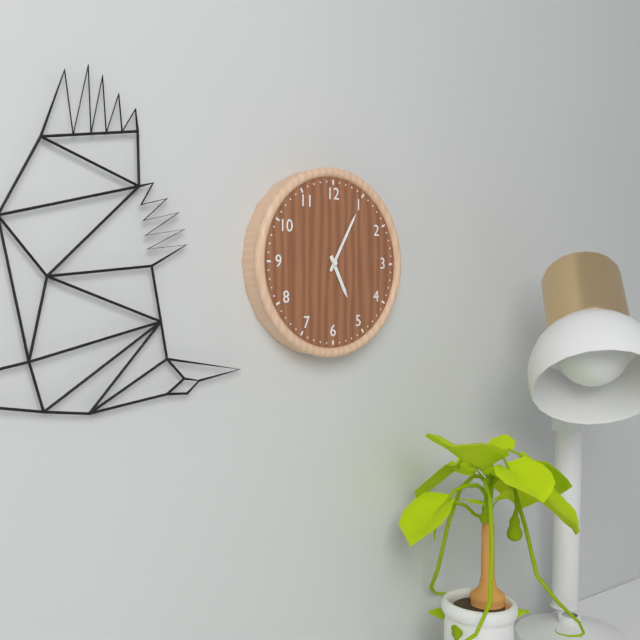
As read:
**5:05**
